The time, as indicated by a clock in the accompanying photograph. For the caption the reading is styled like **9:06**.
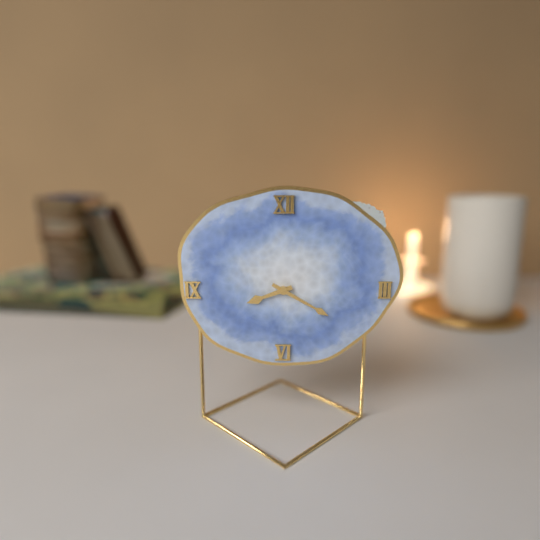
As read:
**8:20**
